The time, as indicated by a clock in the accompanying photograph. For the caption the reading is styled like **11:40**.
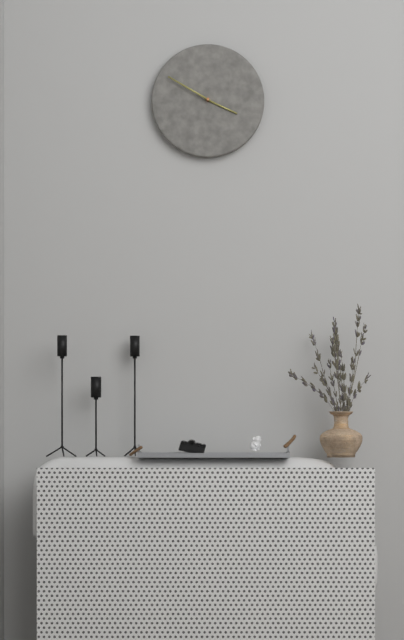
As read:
**3:50**
